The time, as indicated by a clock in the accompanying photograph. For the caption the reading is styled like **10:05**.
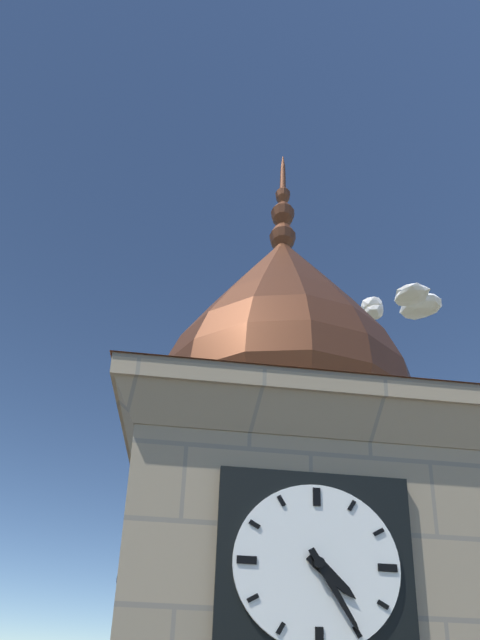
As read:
**4:25**
